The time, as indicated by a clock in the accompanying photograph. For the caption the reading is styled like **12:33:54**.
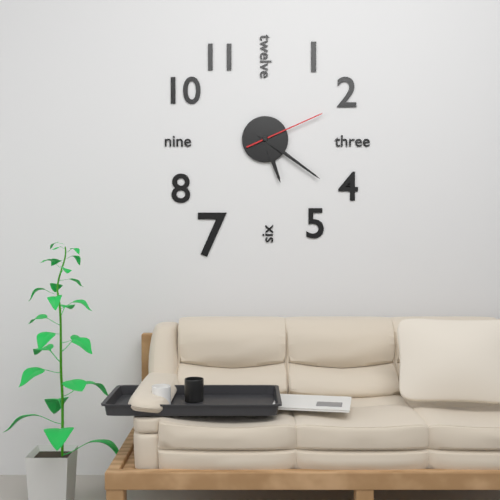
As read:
**5:21:11**
